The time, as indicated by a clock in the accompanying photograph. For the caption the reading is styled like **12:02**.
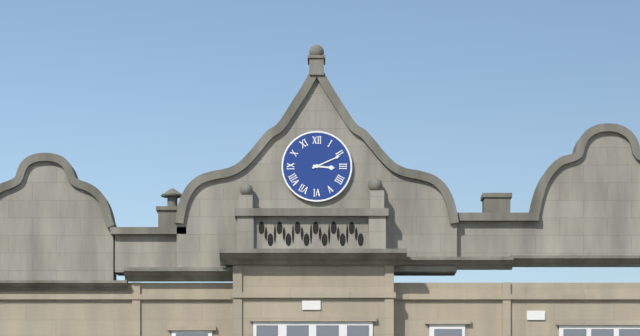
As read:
**3:11**
